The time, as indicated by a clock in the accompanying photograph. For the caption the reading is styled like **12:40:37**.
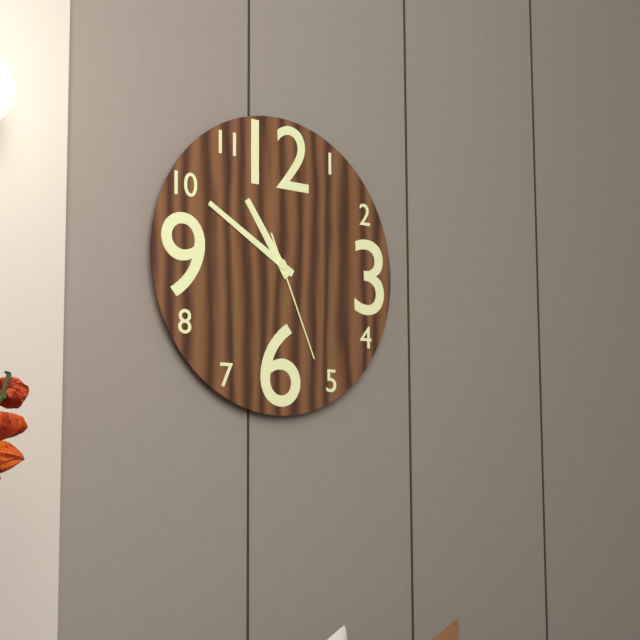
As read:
**10:50:26**
